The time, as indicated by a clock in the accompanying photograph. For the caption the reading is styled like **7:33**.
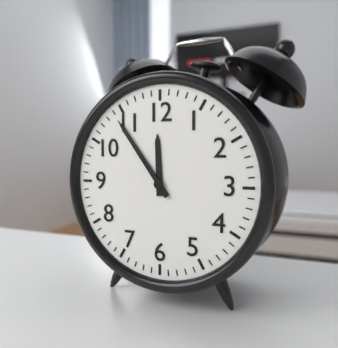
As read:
**11:54**
